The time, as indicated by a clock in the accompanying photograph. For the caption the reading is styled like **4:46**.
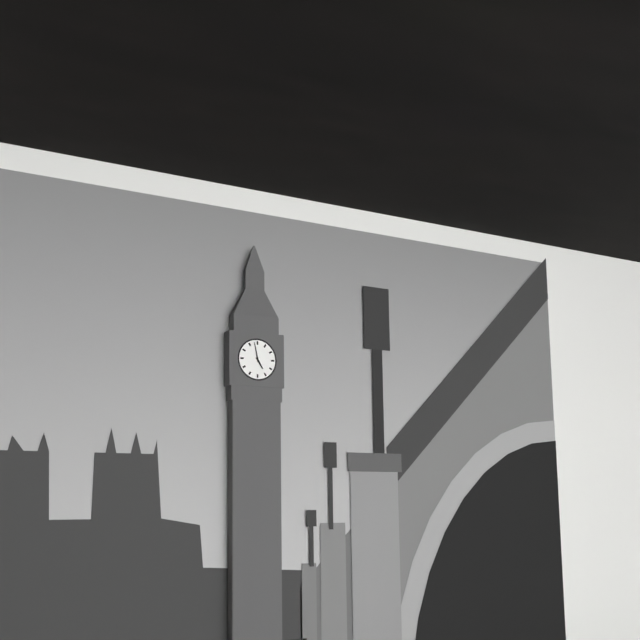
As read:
**4:58**
